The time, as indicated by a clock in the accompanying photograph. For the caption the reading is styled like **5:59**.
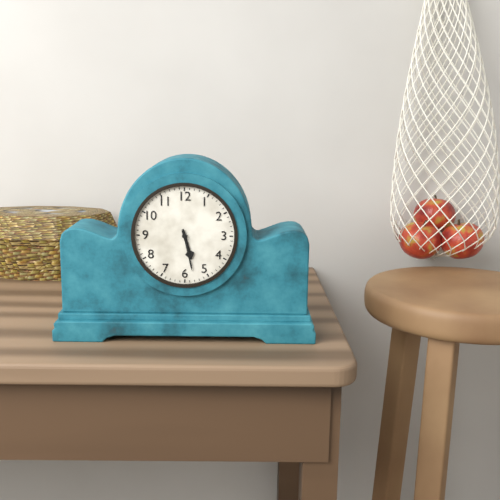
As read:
**5:28**
